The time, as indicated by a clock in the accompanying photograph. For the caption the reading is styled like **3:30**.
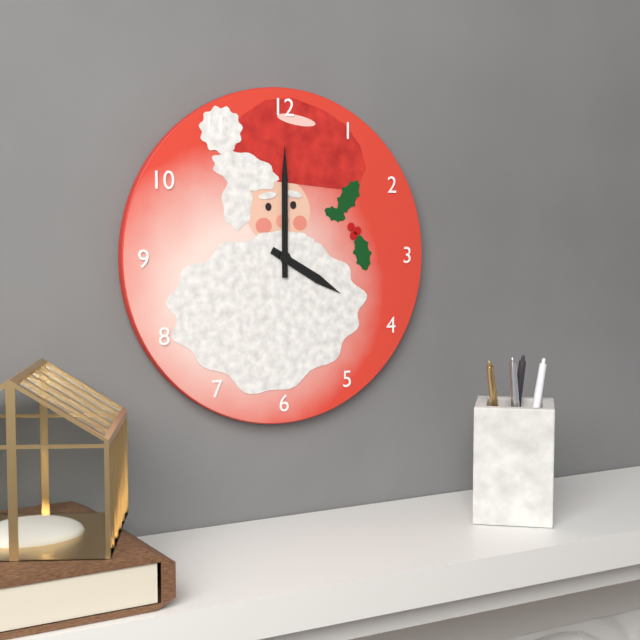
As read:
**4:00**
